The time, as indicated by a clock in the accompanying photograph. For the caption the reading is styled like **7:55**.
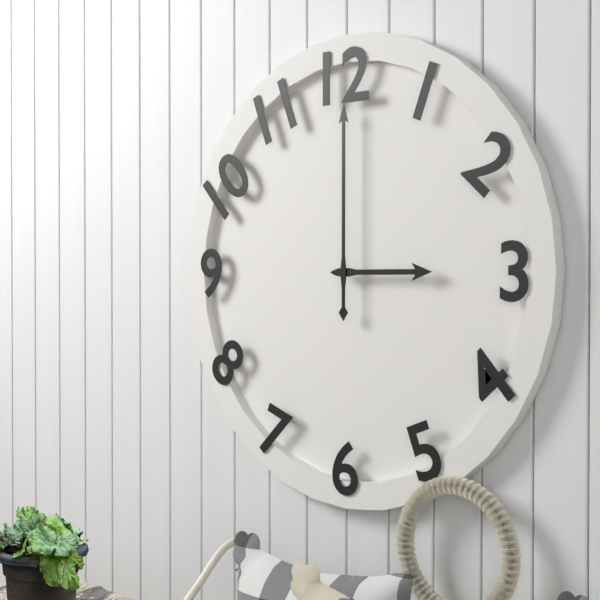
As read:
**3:00**
